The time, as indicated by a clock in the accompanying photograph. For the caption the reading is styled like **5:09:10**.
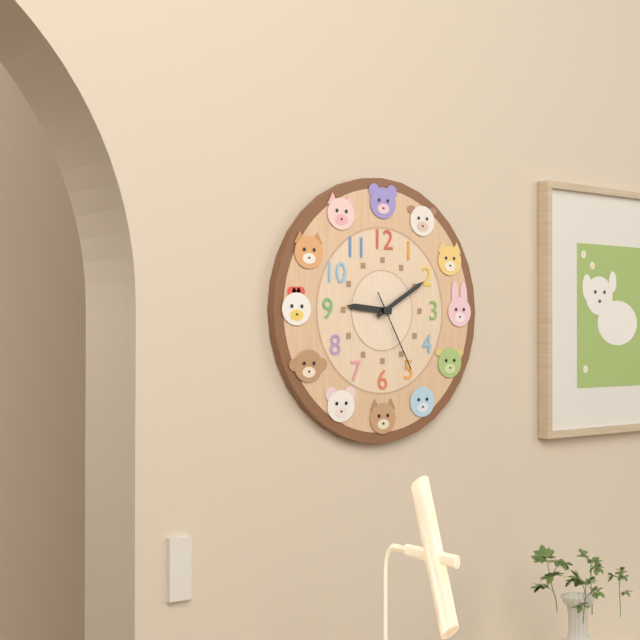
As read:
**9:10:25**
